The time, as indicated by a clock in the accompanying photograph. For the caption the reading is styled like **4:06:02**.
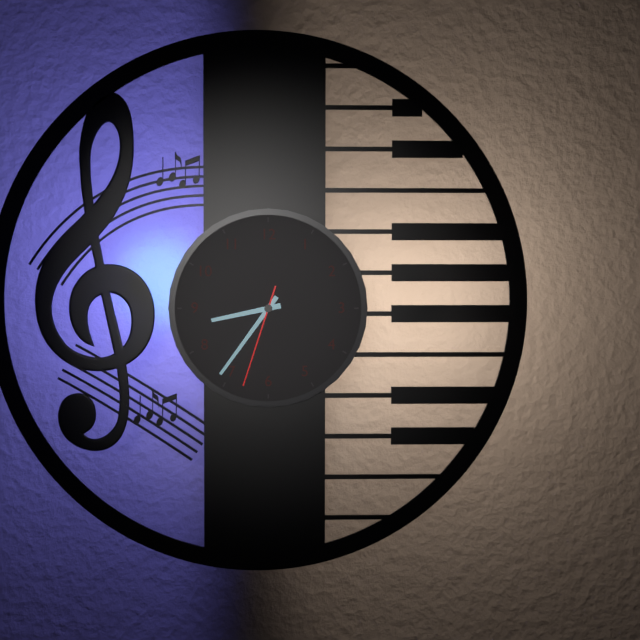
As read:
**8:36:33**
